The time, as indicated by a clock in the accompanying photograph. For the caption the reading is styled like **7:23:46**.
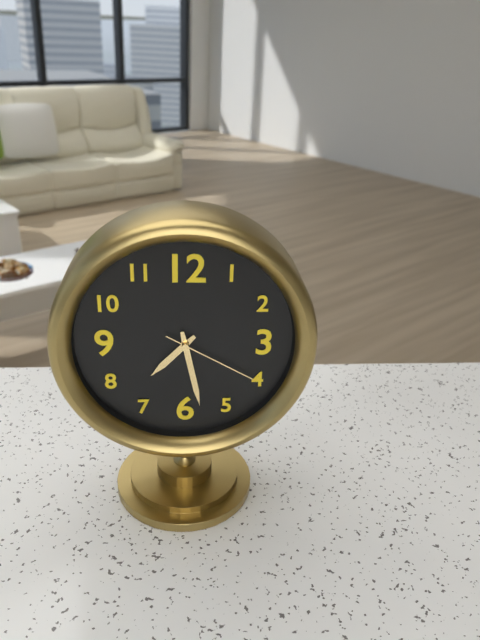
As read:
**7:28:20**
